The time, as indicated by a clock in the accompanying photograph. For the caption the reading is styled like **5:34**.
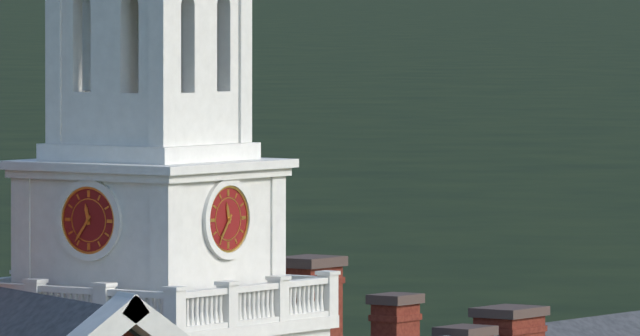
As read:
**11:36**
